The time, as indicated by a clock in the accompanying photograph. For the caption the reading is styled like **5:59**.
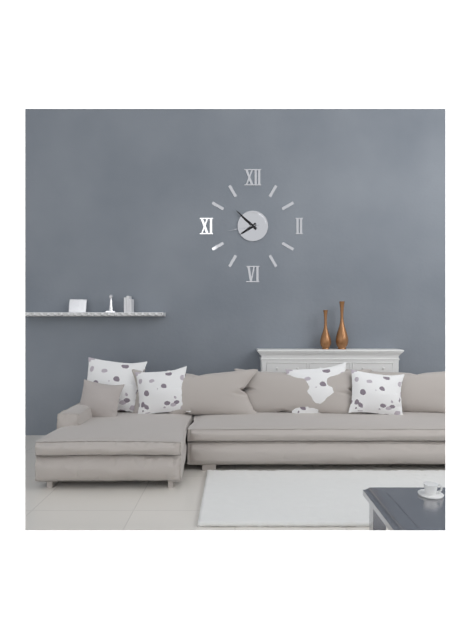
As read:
**7:52**
